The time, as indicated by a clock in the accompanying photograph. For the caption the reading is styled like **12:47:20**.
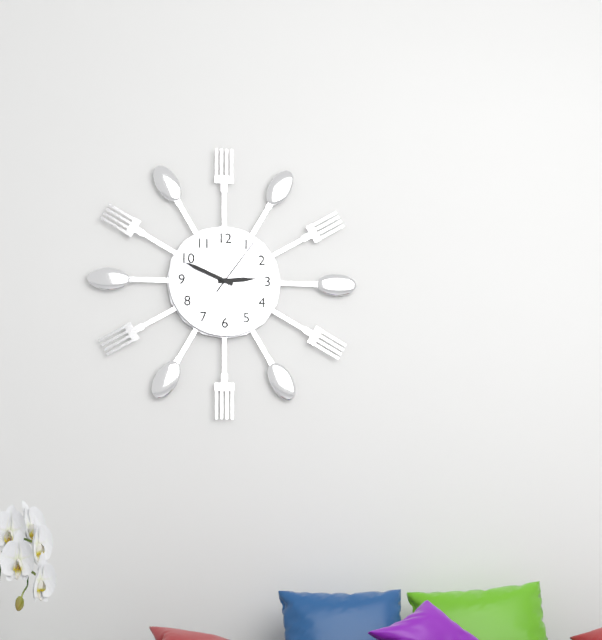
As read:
**2:49:06**
